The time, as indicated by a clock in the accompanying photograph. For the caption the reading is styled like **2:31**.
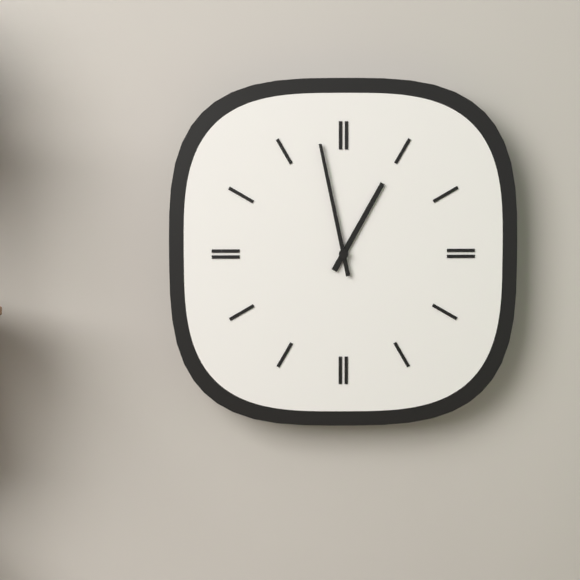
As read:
**12:58**
